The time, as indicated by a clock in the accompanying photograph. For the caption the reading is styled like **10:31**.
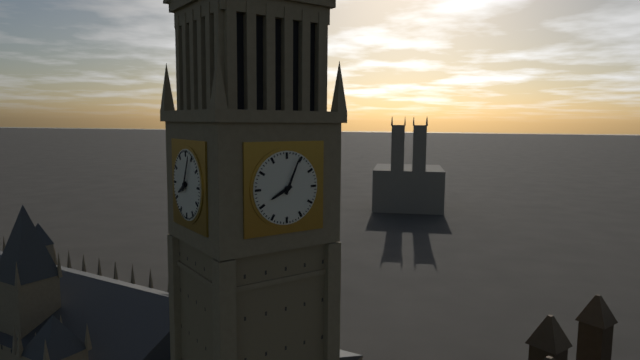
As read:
**8:04**
